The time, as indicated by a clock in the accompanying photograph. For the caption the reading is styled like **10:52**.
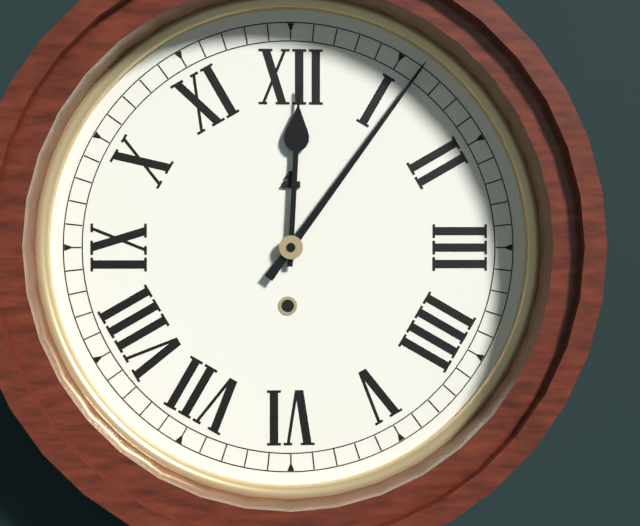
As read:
**12:06**
